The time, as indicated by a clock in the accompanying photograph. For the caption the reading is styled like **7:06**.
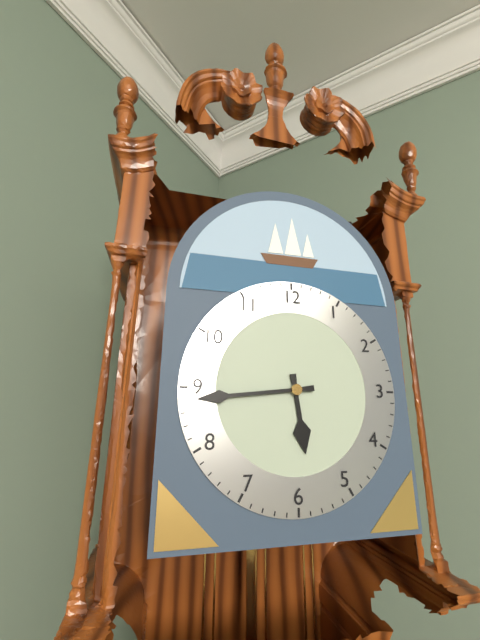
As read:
**5:44**
